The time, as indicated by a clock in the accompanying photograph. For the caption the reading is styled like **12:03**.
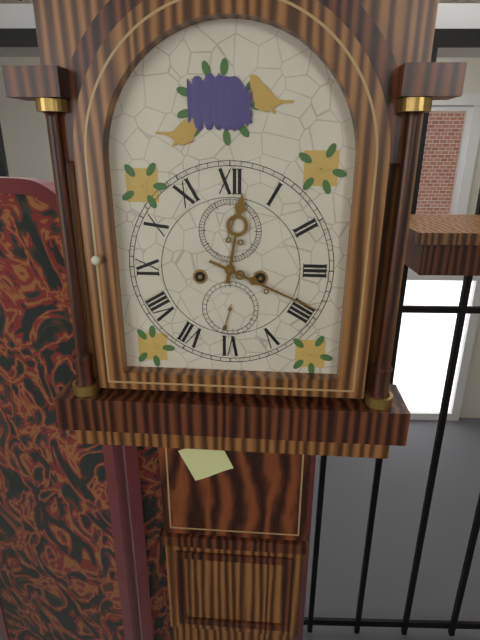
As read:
**12:19**
